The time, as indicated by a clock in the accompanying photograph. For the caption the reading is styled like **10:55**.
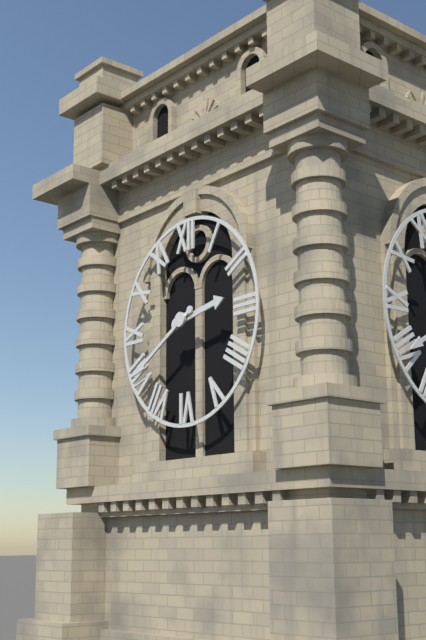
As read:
**2:40**
